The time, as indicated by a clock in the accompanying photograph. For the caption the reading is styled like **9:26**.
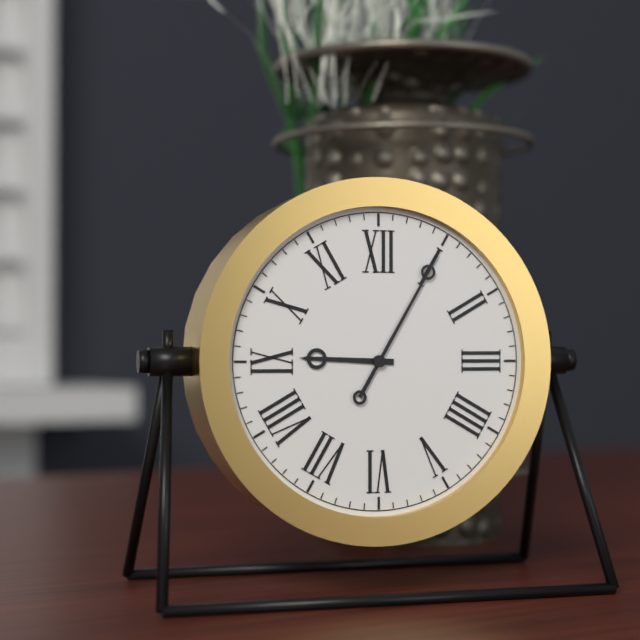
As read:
**9:05**
